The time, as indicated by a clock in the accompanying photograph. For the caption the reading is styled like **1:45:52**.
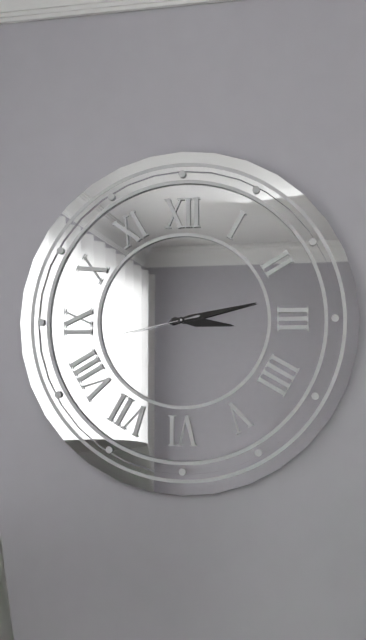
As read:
**3:13:43**
